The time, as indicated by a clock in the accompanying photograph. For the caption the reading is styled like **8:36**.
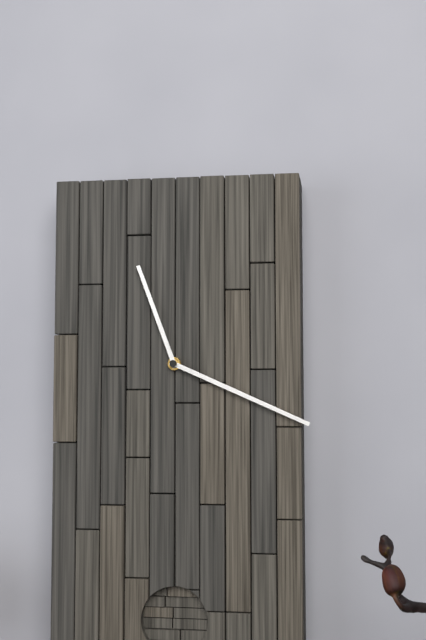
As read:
**11:19**
